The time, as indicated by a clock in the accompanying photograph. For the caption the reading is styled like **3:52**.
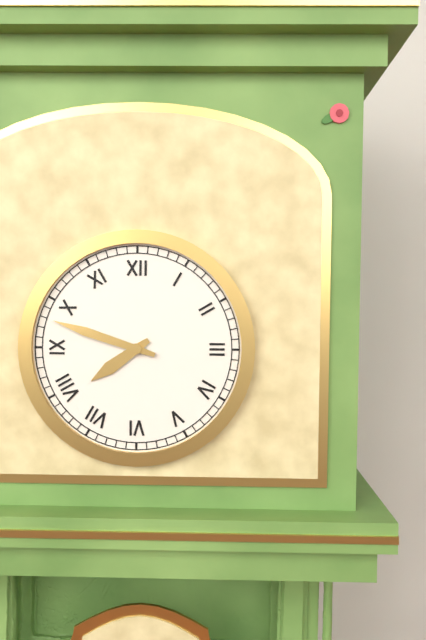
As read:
**7:48**
